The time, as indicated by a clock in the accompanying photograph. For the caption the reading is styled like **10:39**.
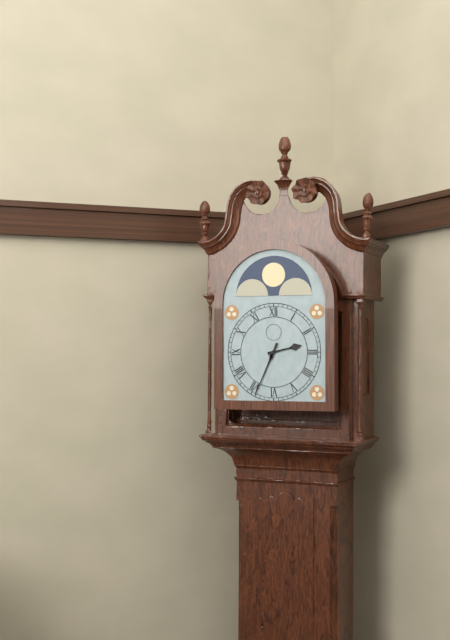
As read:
**2:34**
